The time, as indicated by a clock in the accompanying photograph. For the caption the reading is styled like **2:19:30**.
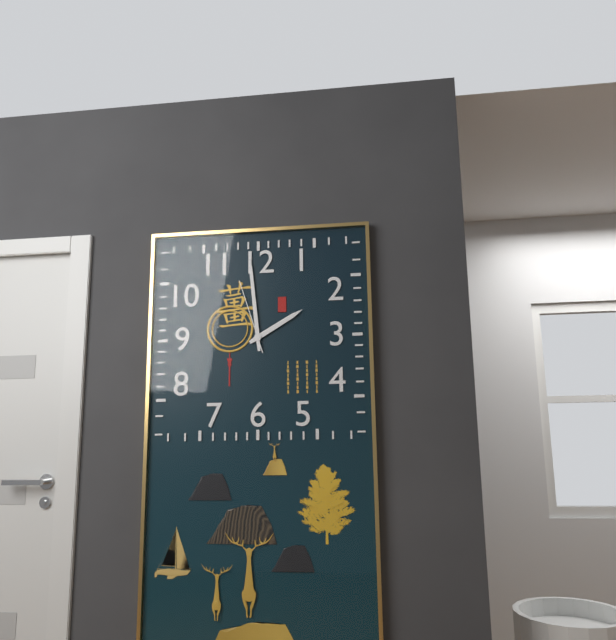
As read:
**1:59:57**
